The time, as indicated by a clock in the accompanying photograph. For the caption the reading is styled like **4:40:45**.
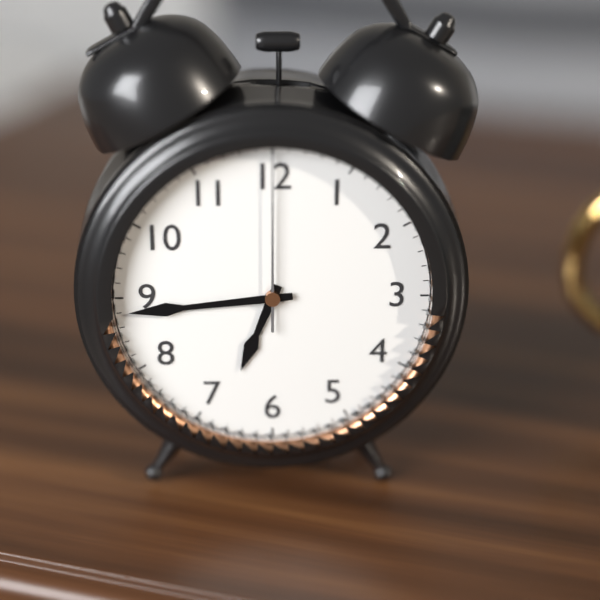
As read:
**6:44:00**
